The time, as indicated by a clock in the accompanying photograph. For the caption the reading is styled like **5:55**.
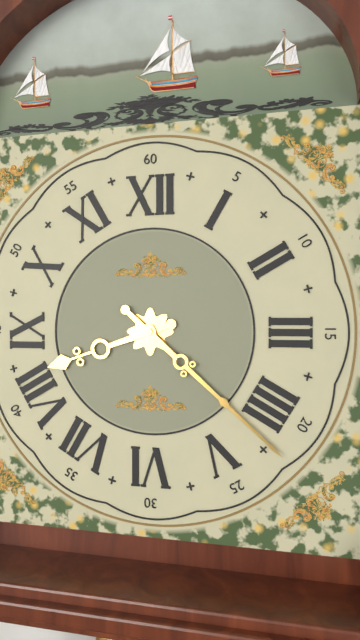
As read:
**8:22**
